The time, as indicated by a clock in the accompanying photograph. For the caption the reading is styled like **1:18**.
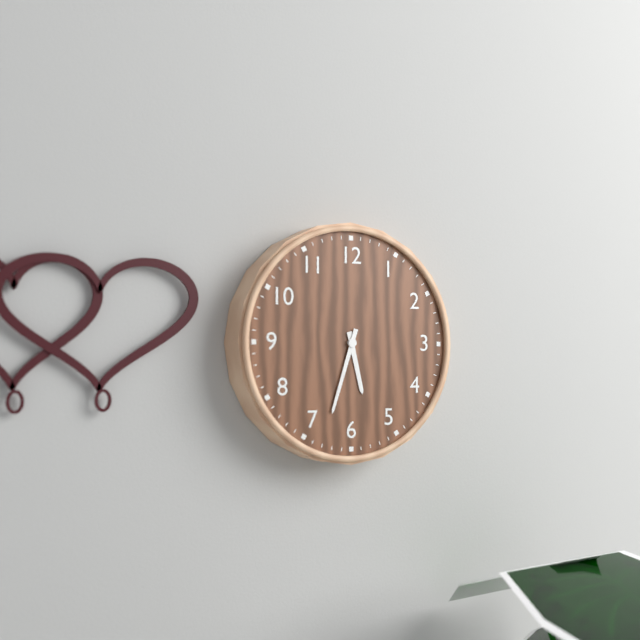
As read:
**5:33**
